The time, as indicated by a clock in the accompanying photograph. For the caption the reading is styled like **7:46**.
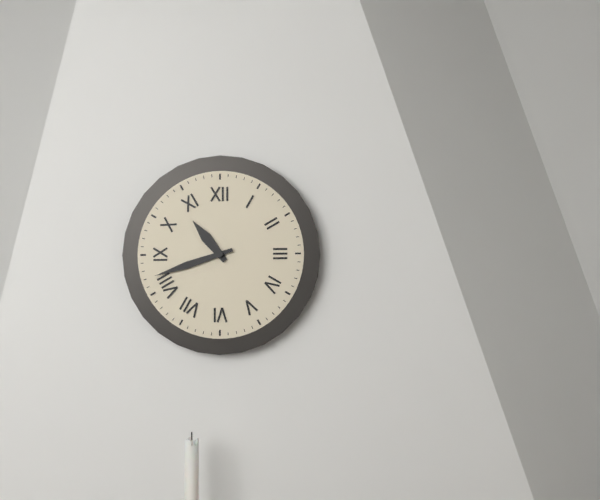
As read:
**10:42**
